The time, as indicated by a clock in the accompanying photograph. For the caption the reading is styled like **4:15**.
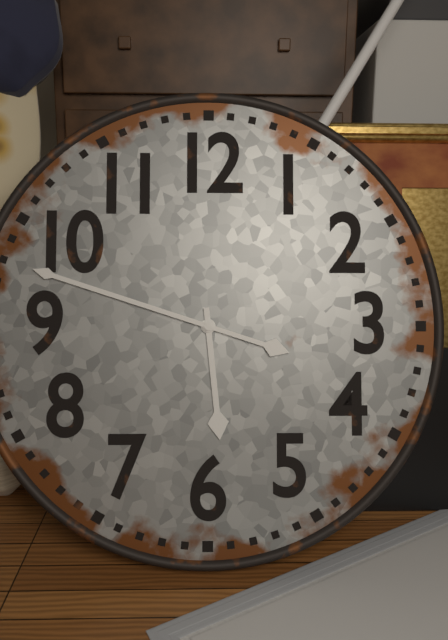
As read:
**5:48**
